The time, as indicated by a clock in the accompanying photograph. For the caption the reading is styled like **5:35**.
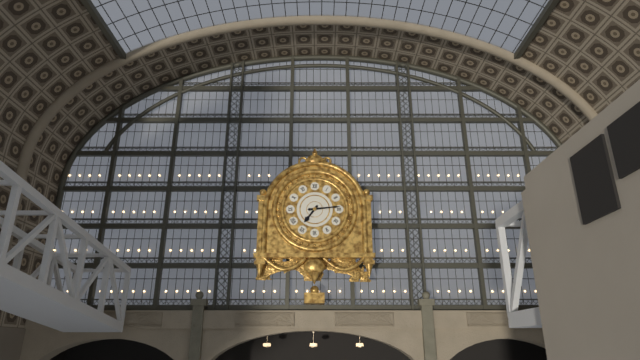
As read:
**7:14**
